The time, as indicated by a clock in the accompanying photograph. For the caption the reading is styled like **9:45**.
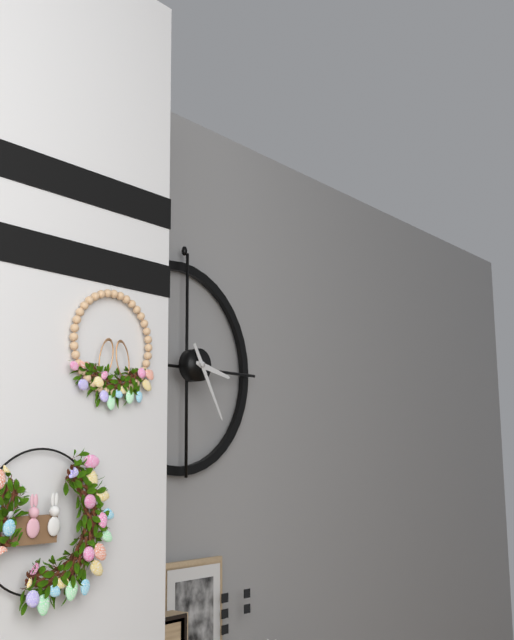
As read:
**3:25**
